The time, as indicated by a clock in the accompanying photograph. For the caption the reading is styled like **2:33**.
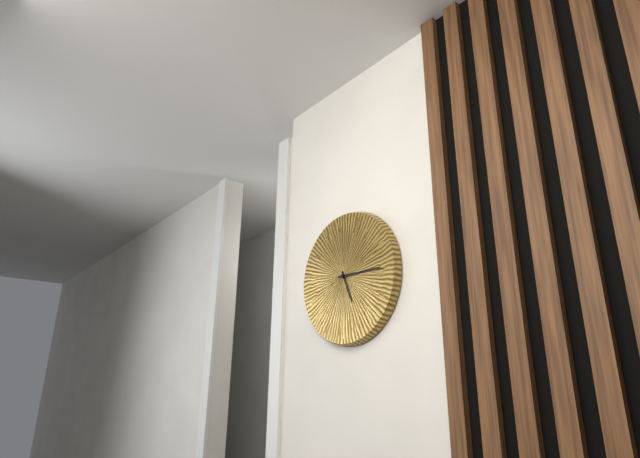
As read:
**5:15**
